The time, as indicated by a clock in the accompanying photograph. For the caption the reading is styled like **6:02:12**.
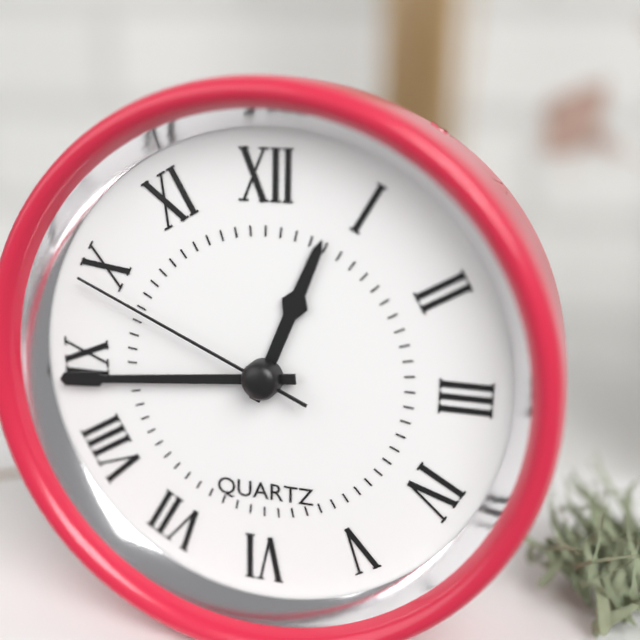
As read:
**12:44:49**
